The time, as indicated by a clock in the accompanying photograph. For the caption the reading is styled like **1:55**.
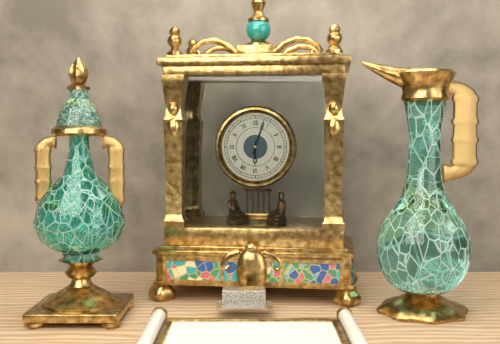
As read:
**6:03**
